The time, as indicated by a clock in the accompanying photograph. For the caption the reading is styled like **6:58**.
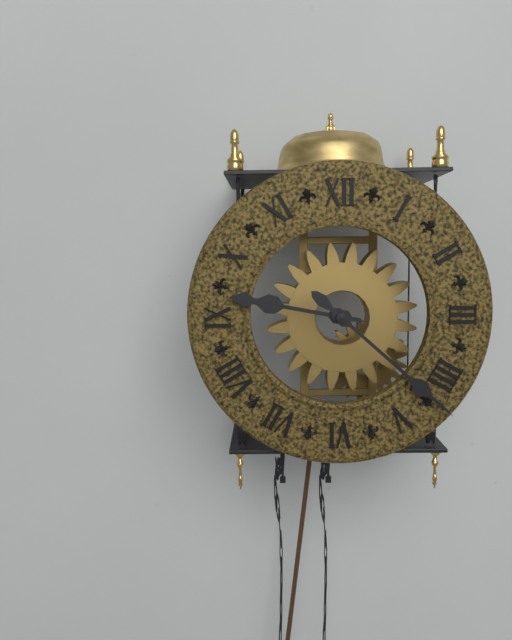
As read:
**9:22**
